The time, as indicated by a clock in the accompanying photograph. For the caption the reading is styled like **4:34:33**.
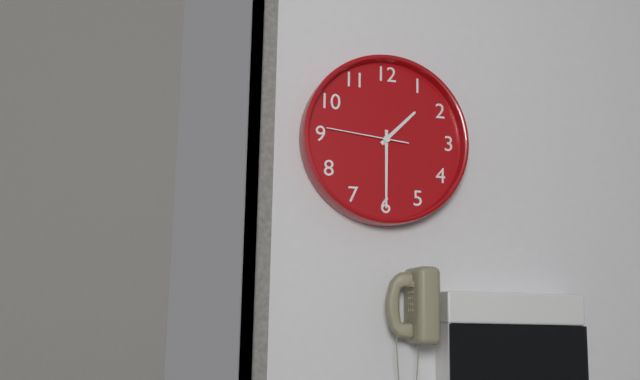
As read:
**1:30:46**
